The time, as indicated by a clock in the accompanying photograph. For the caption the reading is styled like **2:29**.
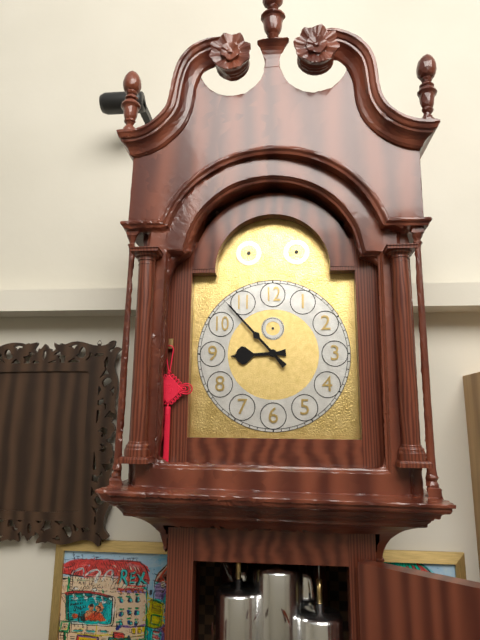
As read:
**8:53**
